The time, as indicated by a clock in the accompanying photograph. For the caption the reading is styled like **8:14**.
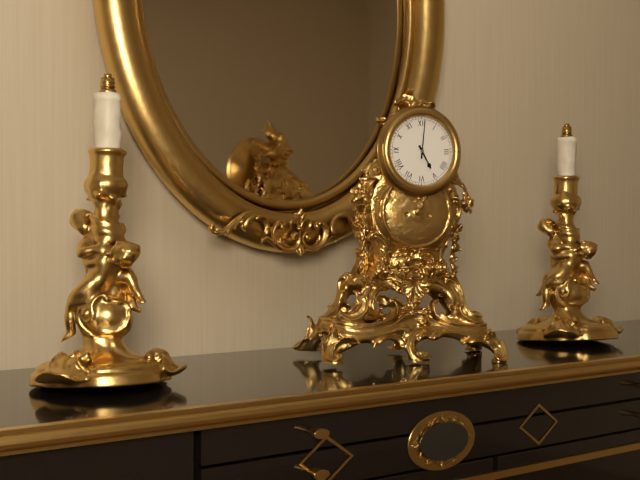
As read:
**5:01**
